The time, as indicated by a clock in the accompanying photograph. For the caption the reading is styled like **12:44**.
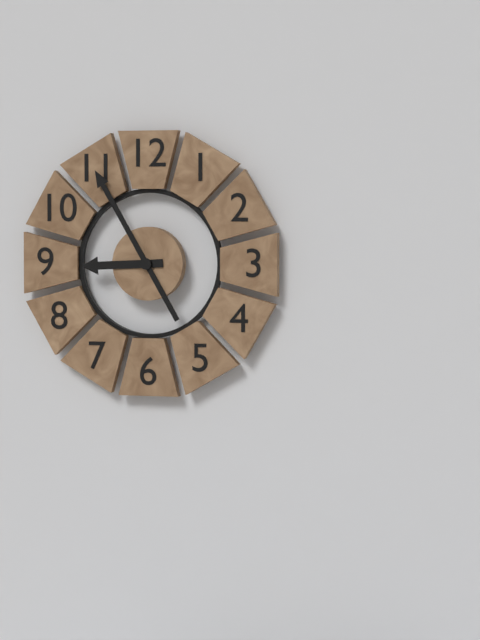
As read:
**8:55**
